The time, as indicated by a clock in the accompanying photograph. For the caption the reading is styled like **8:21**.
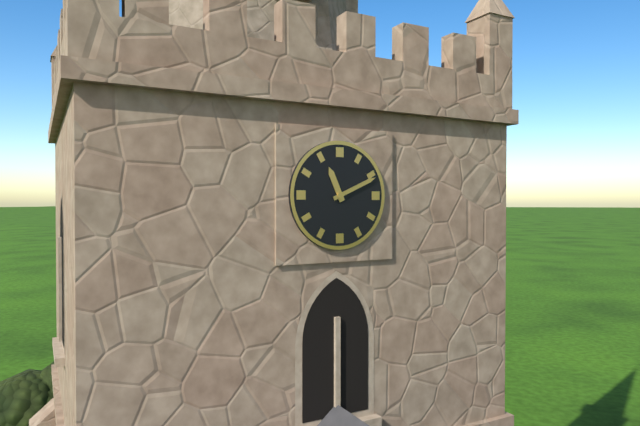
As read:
**11:11**
